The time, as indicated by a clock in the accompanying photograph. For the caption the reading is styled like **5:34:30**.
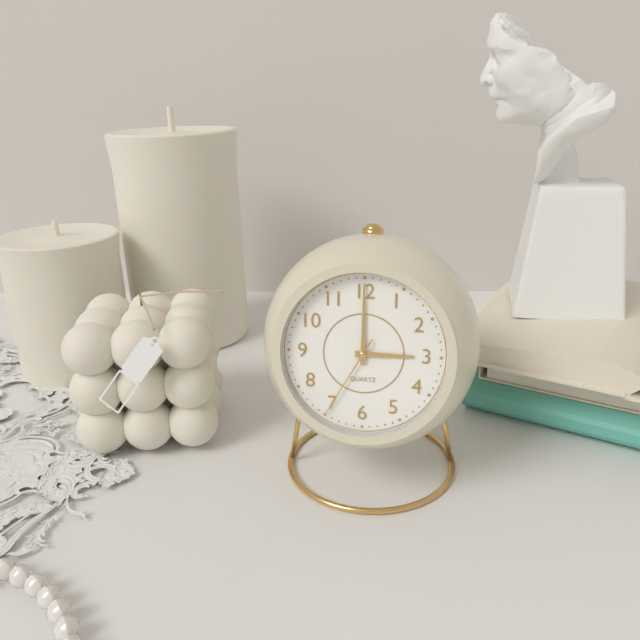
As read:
**3:00:35**
